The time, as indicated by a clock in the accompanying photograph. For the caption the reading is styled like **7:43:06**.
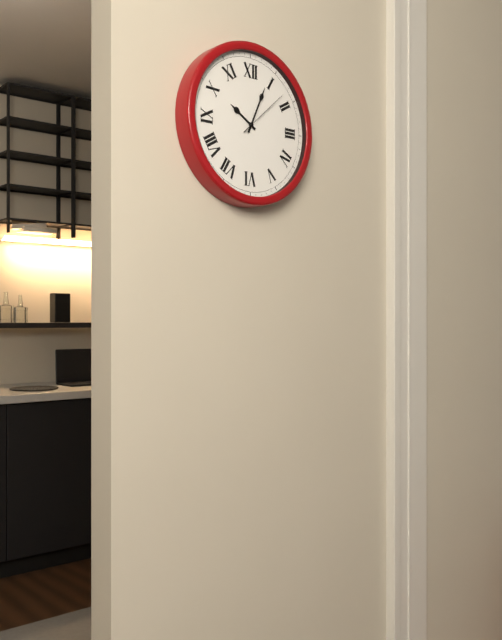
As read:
**10:04:08**
